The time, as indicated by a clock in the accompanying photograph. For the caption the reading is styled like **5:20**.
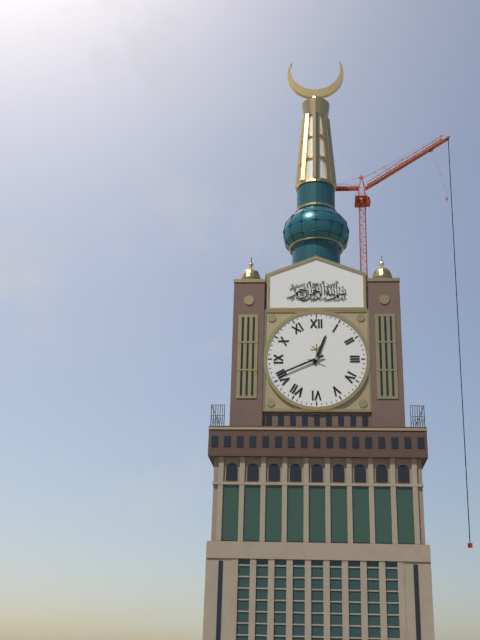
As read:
**12:41**
